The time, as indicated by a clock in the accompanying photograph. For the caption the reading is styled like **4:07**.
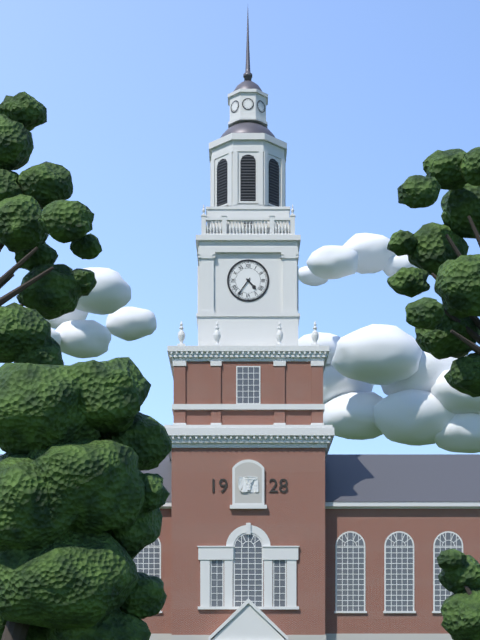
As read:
**4:36**
